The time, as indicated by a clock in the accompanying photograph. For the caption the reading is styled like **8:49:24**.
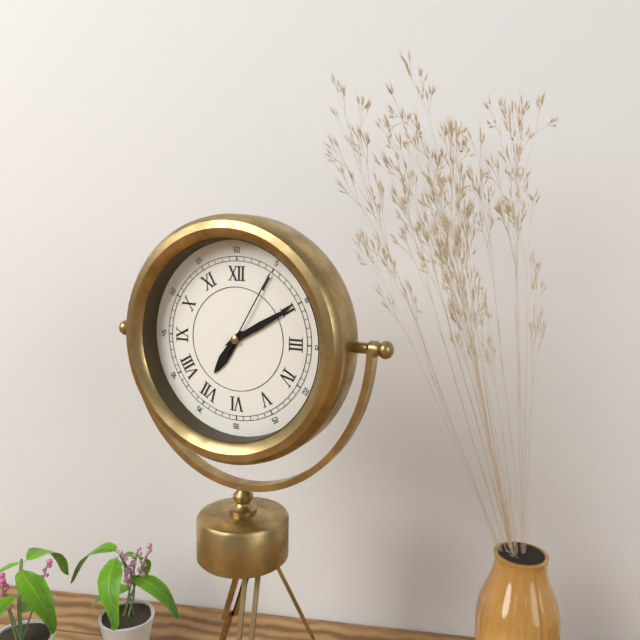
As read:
**7:10:05**
